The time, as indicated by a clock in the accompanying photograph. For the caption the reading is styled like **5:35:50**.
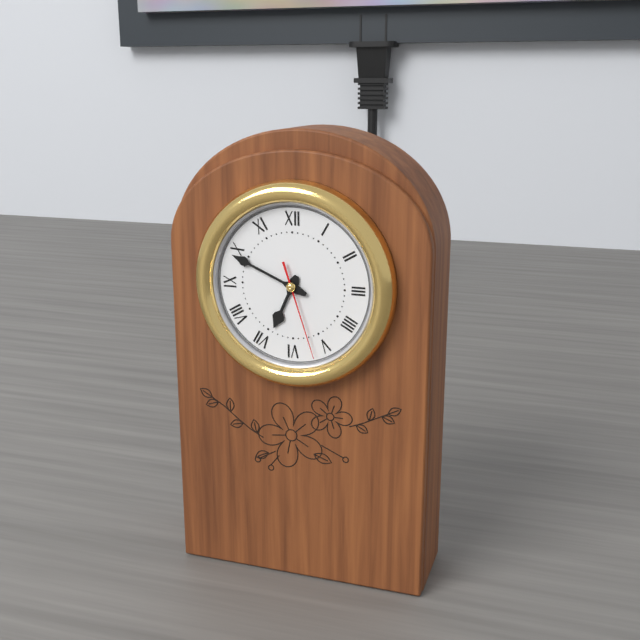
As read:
**6:49:27**
